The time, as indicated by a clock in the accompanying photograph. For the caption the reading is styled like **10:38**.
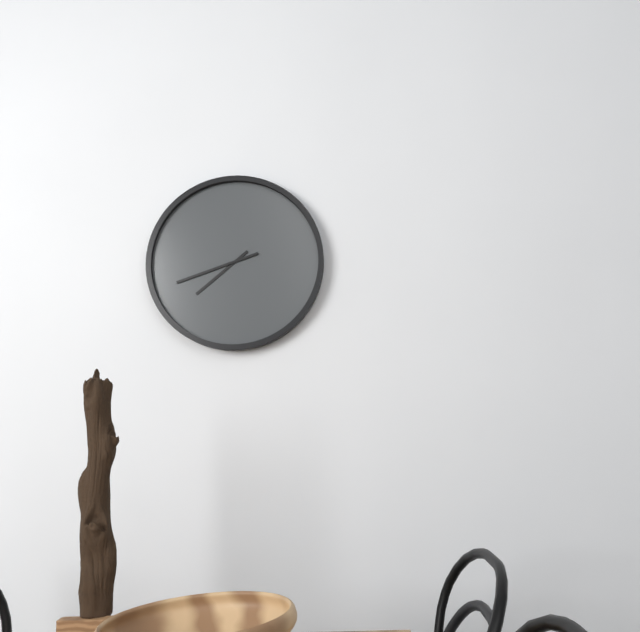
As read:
**7:42**
